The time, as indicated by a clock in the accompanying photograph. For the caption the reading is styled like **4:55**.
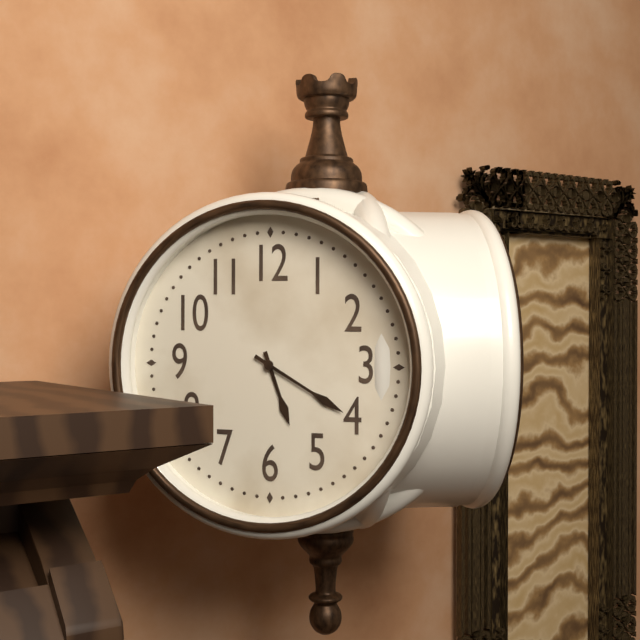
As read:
**5:20**
